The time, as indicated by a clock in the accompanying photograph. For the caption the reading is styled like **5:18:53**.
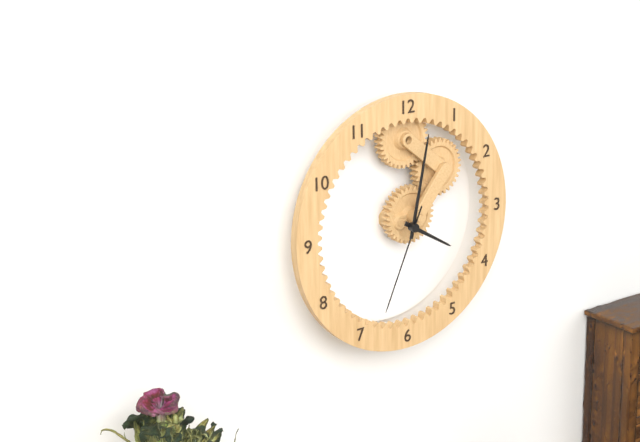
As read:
**4:02:34**
